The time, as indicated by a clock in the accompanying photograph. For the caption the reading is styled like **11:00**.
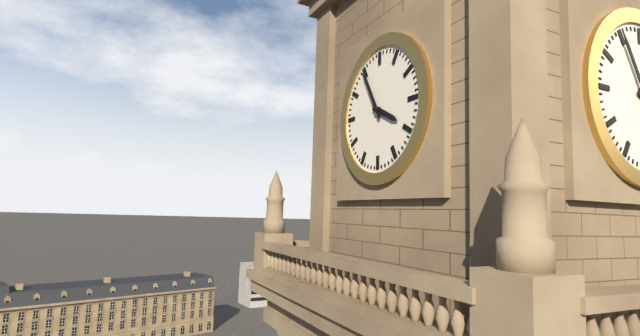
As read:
**3:55**
